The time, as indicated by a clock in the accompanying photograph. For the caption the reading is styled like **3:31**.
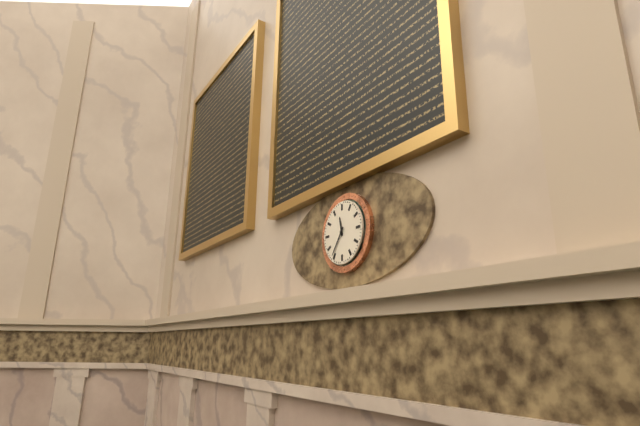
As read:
**11:36**
